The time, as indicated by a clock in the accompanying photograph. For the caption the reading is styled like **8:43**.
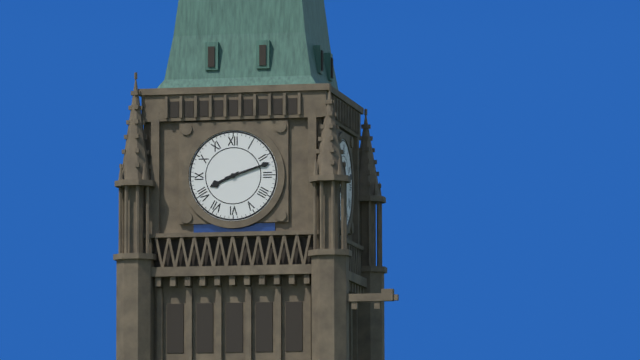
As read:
**8:12**
